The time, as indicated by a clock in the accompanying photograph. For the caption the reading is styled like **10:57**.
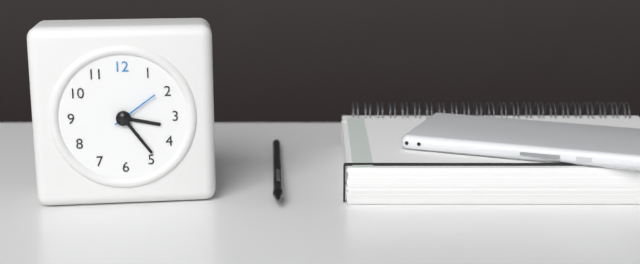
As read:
**3:24**
